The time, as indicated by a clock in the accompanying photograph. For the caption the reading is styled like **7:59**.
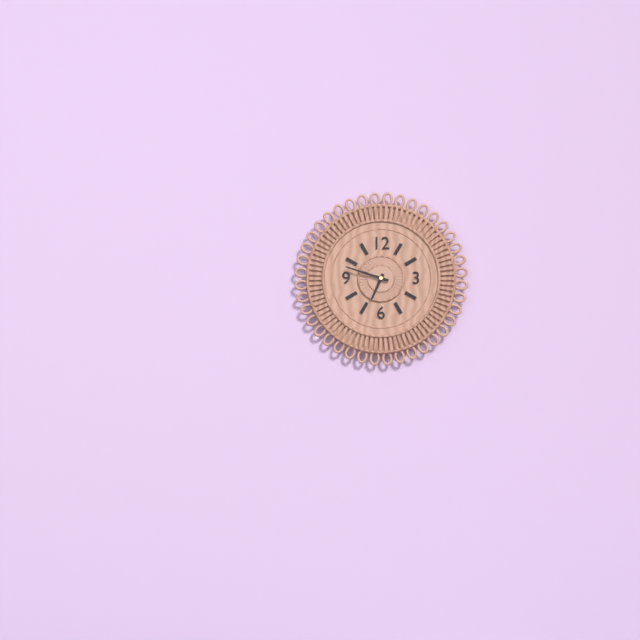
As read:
**6:48**
